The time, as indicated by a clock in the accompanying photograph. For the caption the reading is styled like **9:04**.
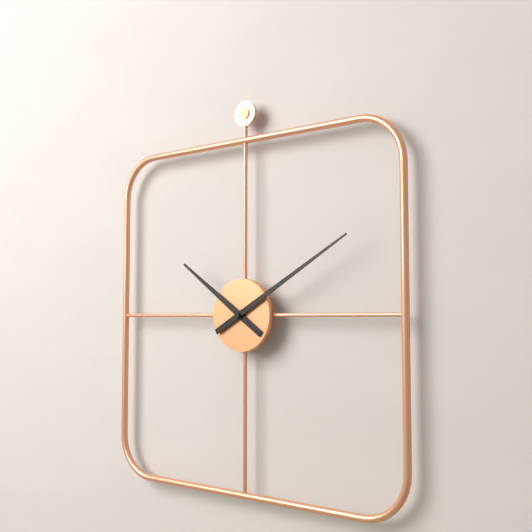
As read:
**10:10**
